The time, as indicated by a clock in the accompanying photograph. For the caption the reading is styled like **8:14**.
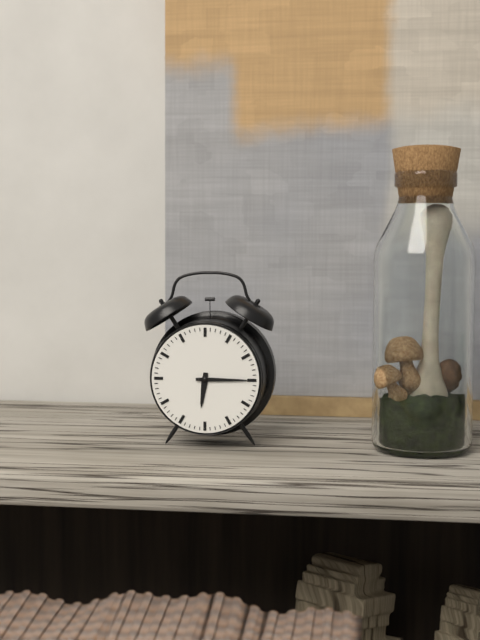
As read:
**6:15**
